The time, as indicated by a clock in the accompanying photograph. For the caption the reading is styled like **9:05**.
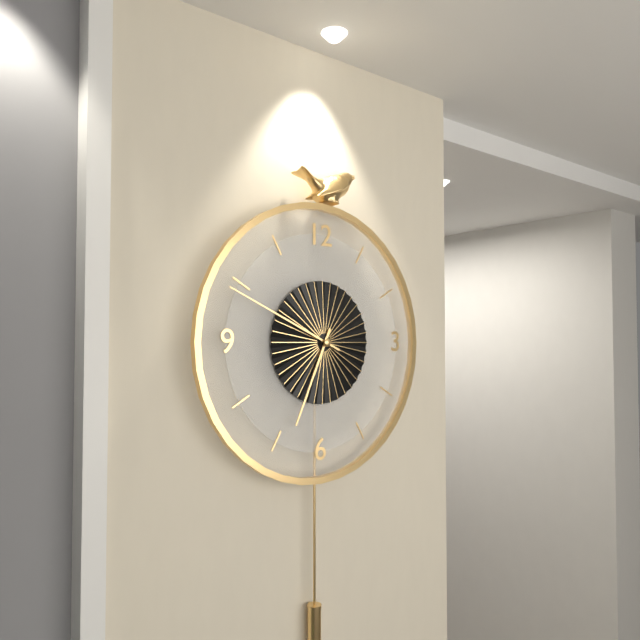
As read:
**6:49**
